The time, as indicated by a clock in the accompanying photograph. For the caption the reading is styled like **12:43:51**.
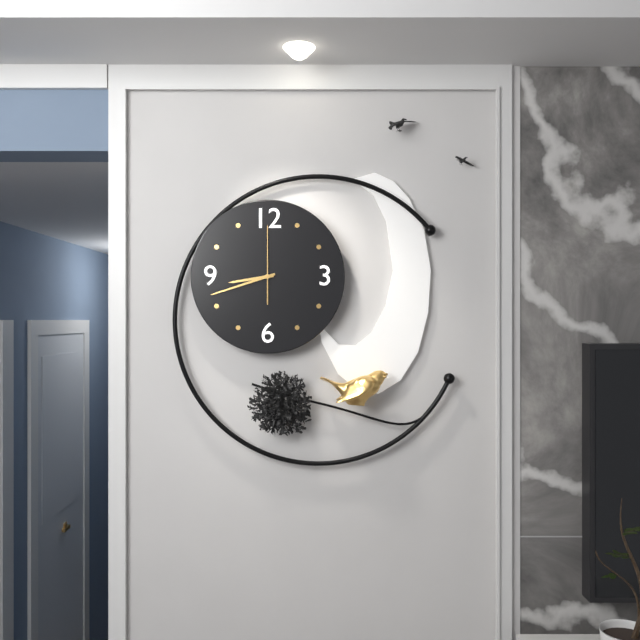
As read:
**8:42:00**
